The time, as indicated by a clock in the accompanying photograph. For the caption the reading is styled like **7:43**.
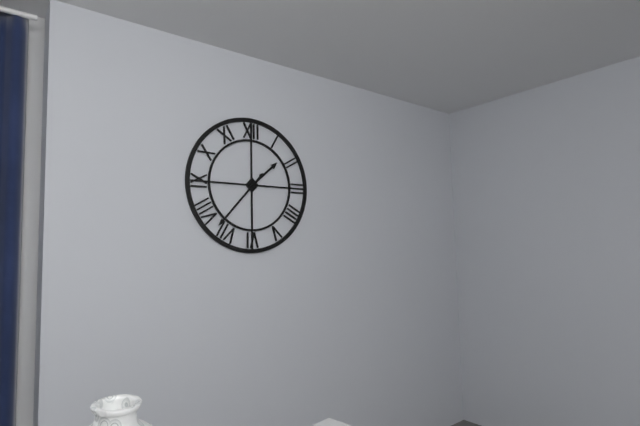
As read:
**1:37**
